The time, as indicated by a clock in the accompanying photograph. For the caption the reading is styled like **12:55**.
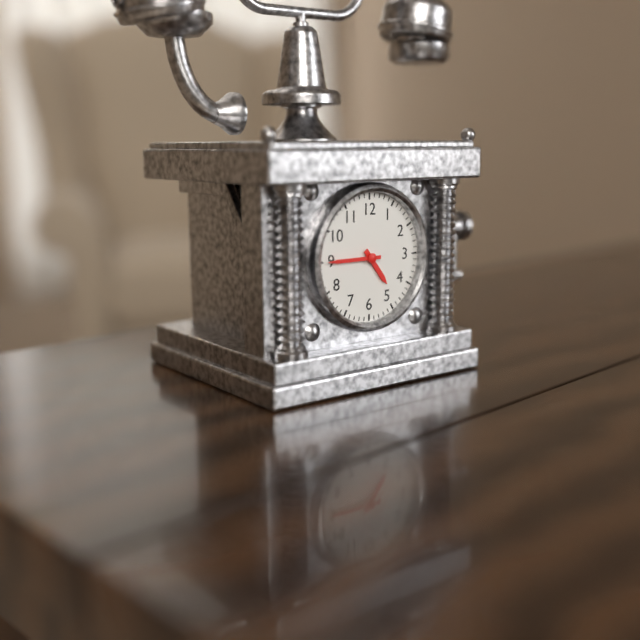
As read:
**4:45**
